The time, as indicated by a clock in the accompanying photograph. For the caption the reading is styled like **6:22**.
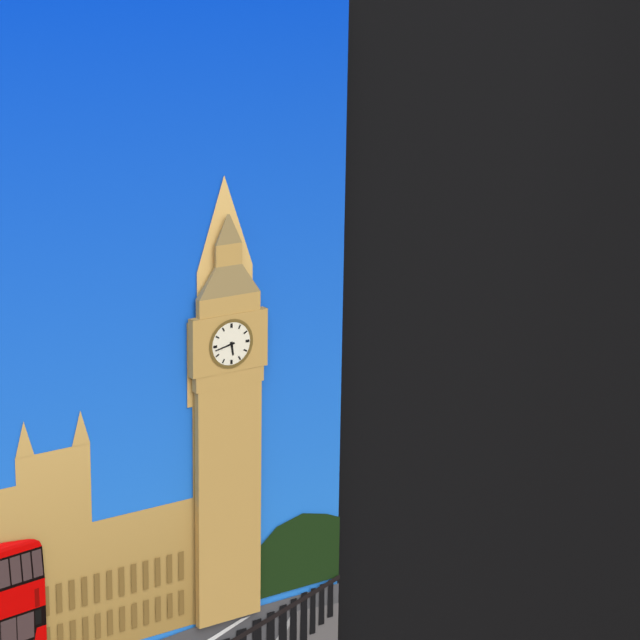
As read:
**5:43**
